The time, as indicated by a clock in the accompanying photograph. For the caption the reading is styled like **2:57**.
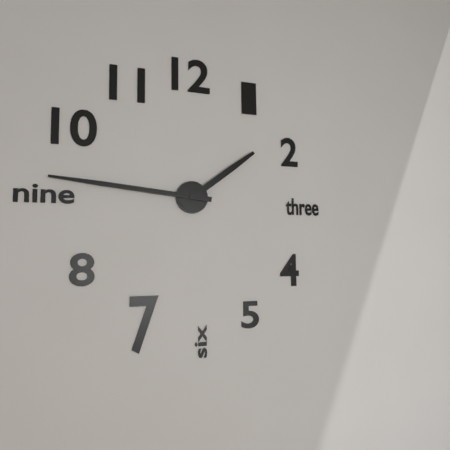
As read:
**1:46**
